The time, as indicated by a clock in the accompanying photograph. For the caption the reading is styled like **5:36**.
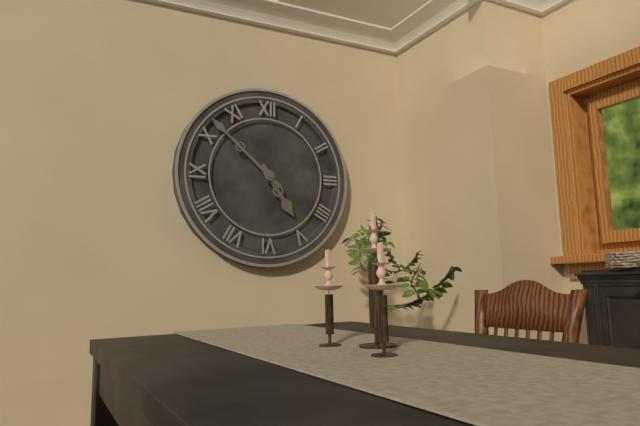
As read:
**4:52**
